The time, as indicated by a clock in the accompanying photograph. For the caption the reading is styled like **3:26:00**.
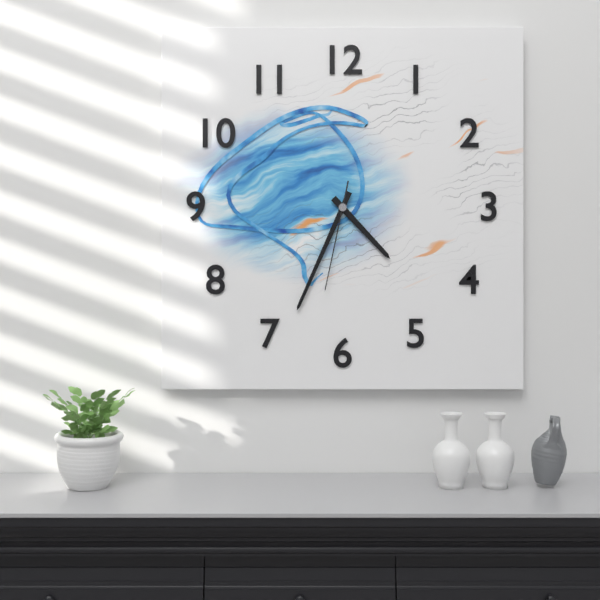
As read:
**4:34:32**
